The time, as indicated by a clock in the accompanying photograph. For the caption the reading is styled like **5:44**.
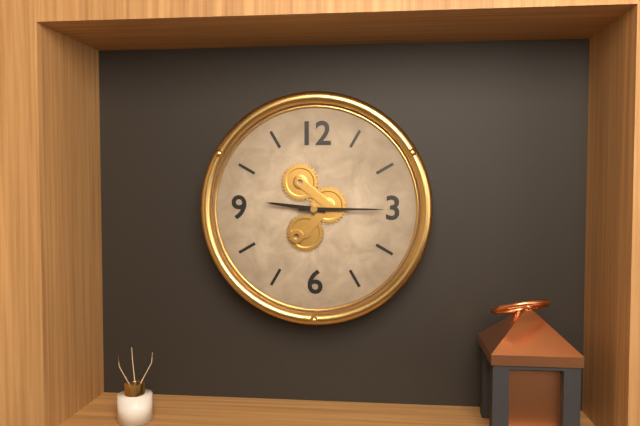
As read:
**9:15**
